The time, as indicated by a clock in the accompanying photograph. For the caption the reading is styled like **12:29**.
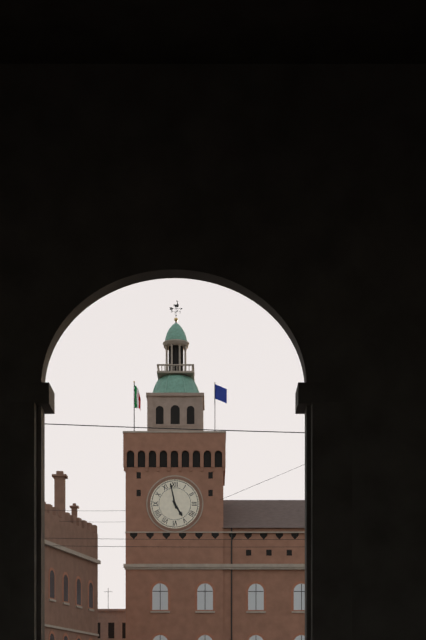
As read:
**4:58**
